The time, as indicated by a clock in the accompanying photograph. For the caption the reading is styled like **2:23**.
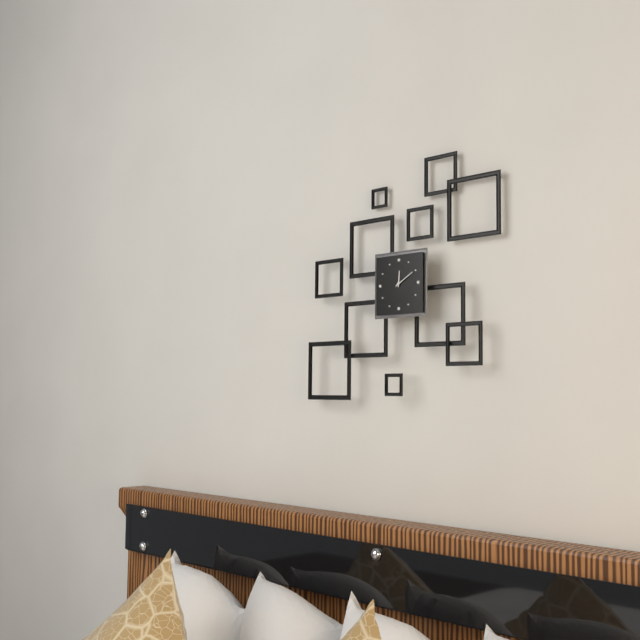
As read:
**12:10**
